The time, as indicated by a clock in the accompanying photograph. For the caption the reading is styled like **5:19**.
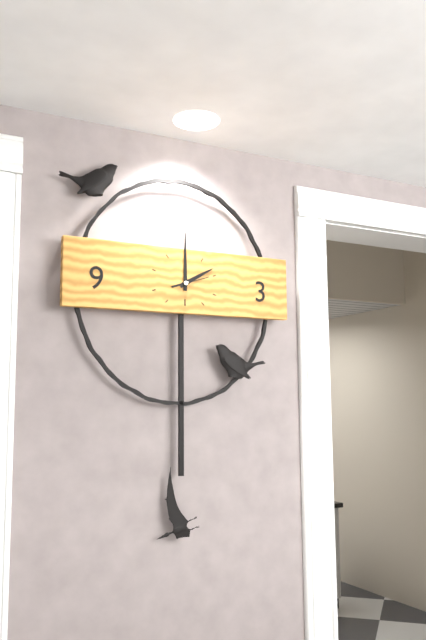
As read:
**2:00**
